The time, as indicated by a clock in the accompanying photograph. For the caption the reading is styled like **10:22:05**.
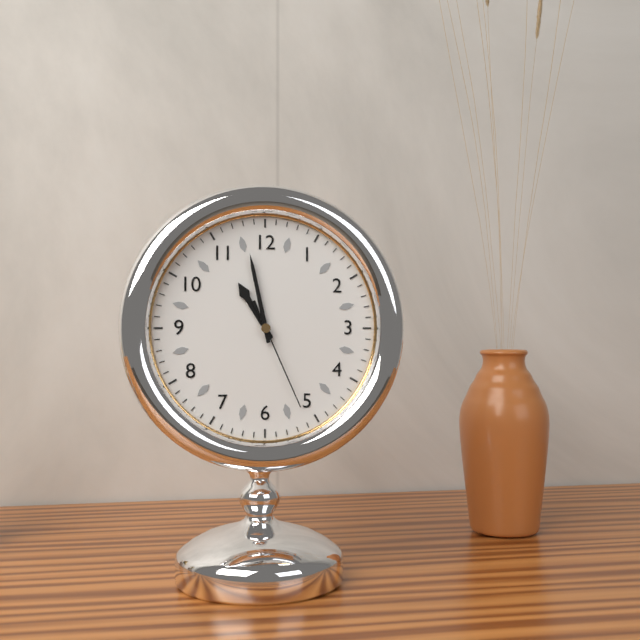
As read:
**10:58:26**
